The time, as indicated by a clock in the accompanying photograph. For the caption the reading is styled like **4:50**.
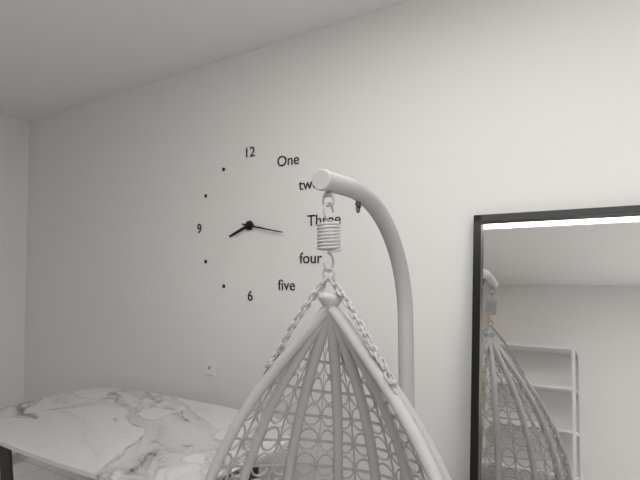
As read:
**8:17**
